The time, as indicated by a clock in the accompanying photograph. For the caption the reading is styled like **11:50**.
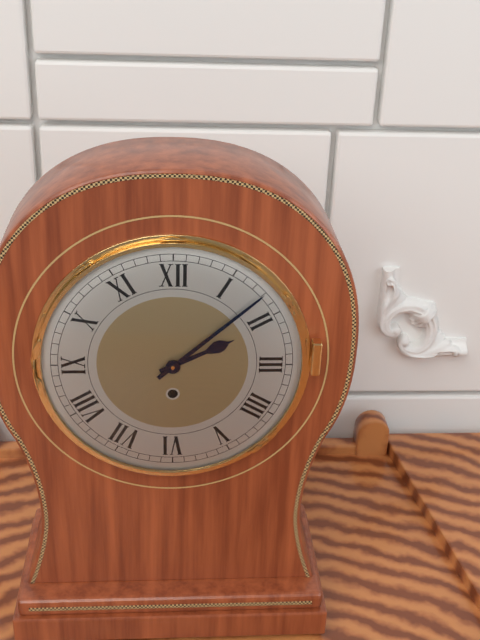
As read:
**2:08**
